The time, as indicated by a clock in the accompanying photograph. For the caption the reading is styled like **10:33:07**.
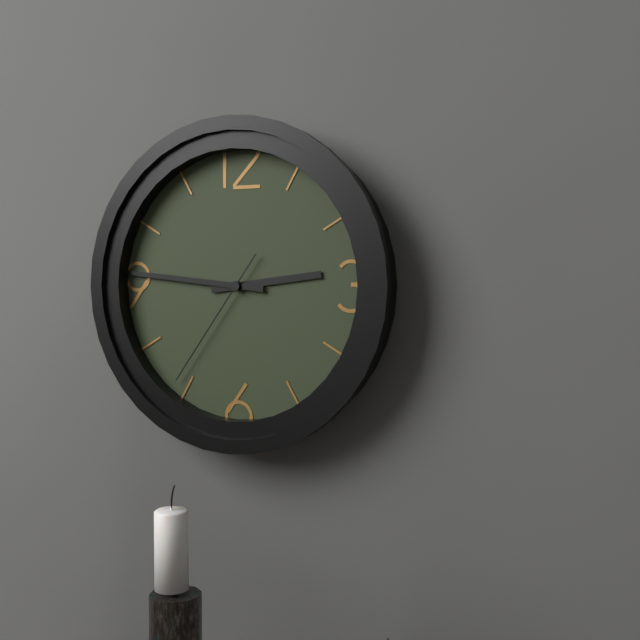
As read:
**2:46:36**
